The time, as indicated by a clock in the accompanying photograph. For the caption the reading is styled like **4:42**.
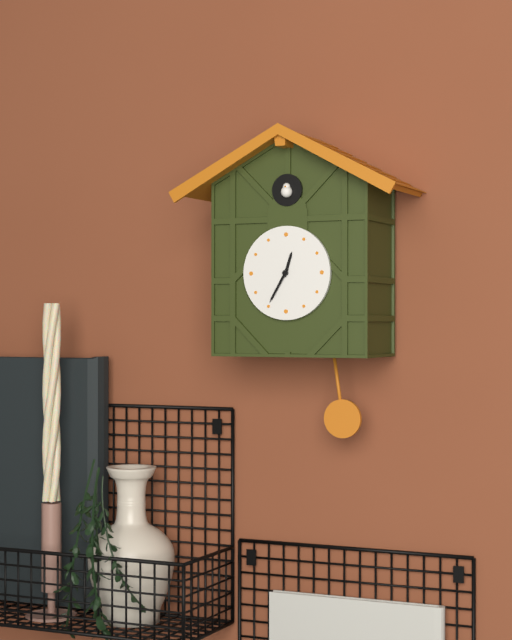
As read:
**12:35**
